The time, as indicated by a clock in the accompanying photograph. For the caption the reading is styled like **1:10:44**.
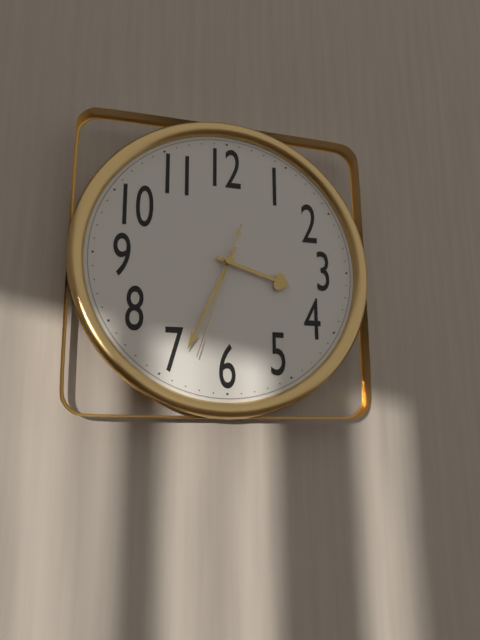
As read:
**3:34:33**
